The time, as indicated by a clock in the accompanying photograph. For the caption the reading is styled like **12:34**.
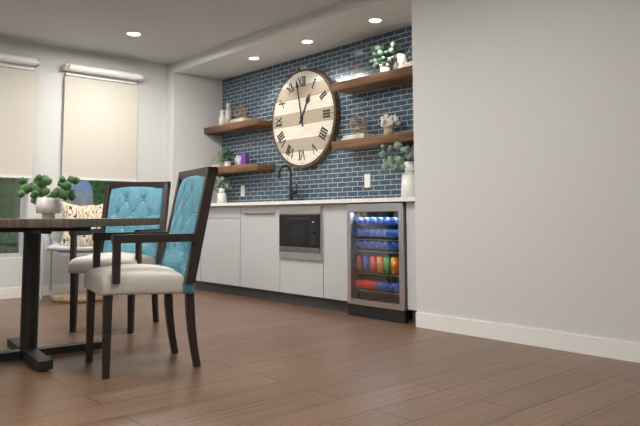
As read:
**12:58**
